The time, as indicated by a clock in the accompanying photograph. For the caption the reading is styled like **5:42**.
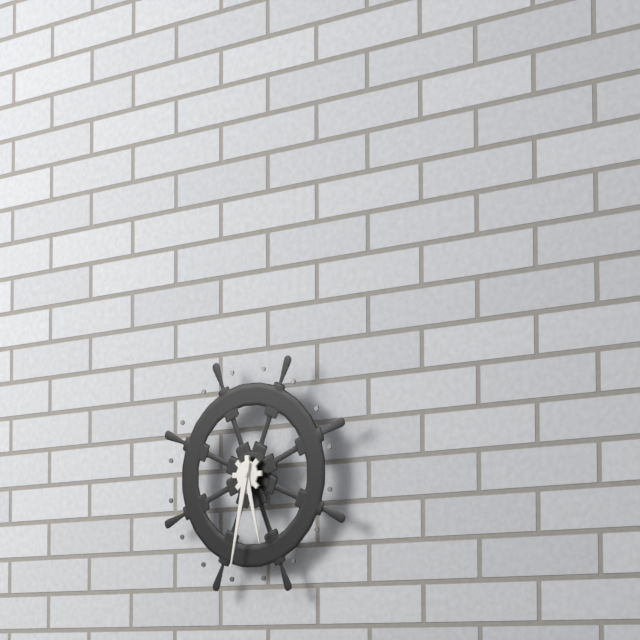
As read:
**5:32**
